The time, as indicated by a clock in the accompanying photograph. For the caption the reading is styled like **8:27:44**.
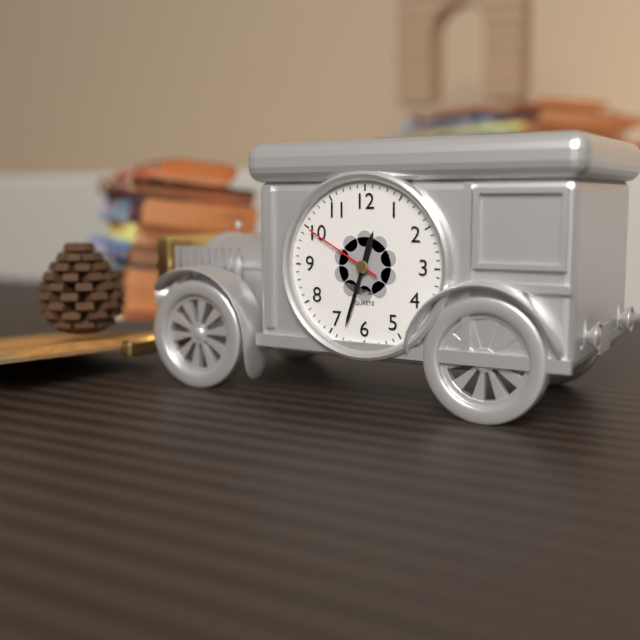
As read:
**12:33:50**
